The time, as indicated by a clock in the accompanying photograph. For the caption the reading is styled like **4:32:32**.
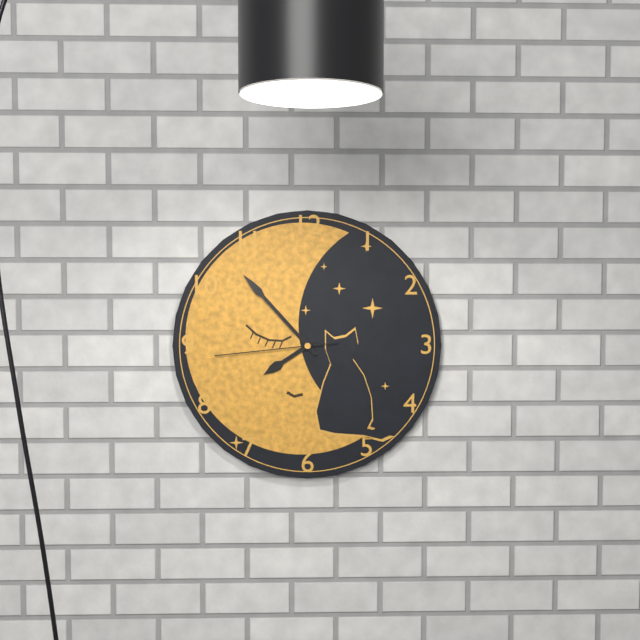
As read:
**7:53:44**
